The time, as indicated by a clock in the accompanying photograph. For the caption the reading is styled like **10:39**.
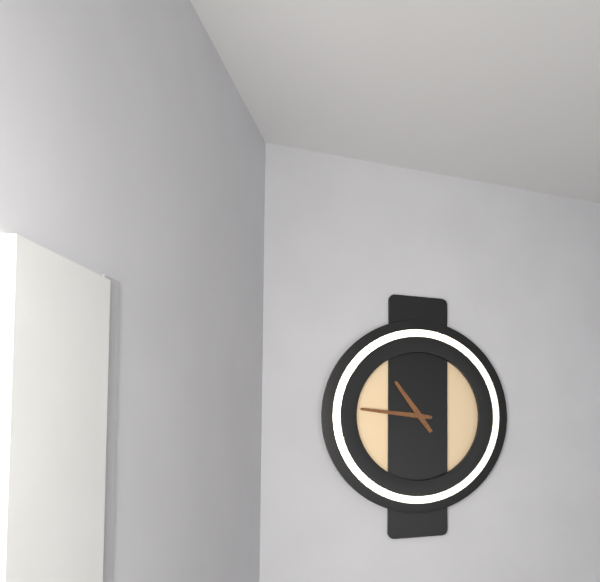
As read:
**10:46**
